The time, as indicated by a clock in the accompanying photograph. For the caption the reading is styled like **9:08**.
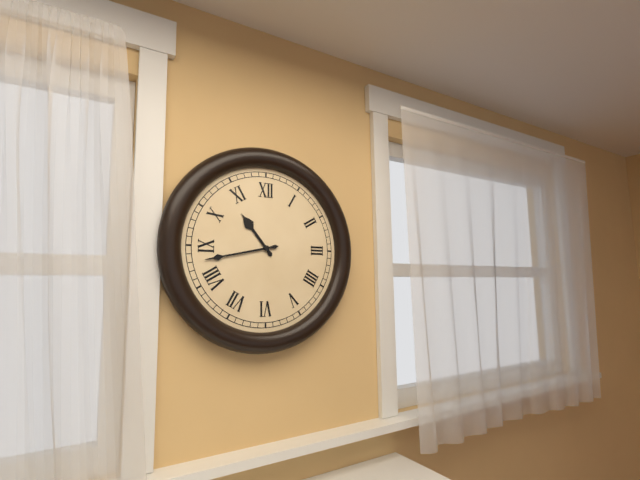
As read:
**10:43**
